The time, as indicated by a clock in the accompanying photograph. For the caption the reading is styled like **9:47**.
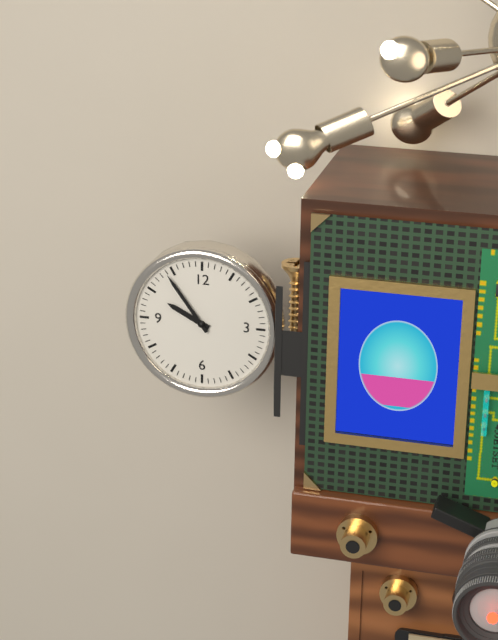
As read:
**9:54**
